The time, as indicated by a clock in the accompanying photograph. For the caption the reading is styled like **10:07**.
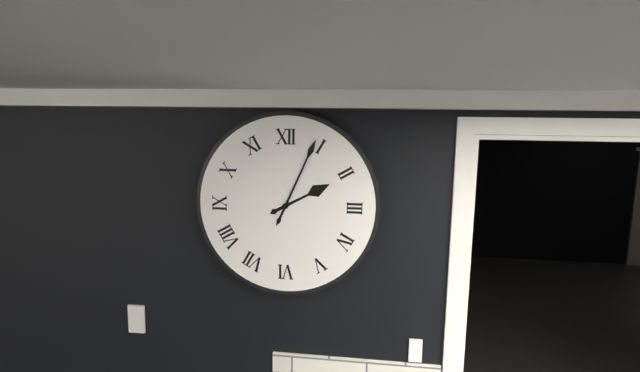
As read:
**2:04**
